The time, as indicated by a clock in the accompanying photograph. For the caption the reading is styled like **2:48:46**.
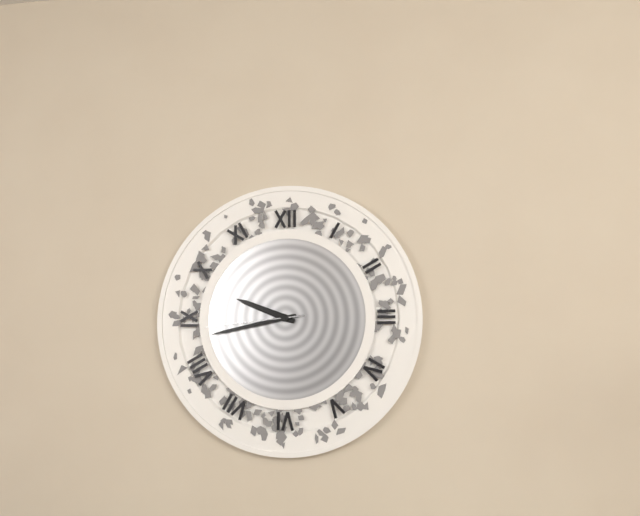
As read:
**9:43:44**
